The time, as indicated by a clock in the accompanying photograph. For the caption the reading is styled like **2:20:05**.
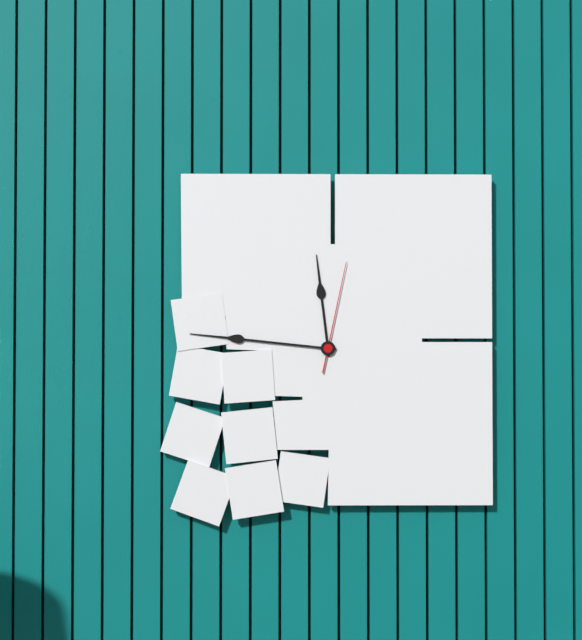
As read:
**11:46:02**
